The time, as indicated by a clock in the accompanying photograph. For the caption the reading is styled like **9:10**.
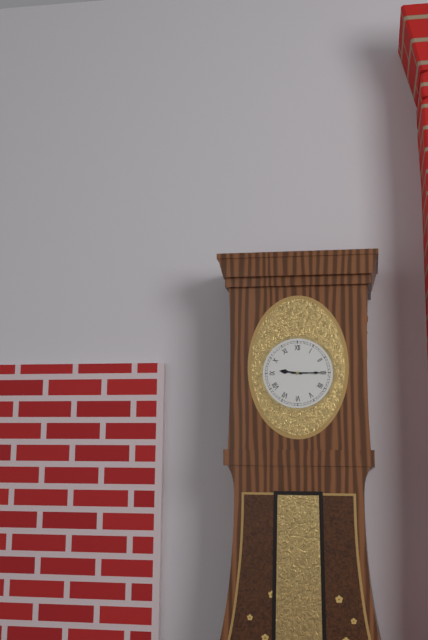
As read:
**9:15**
